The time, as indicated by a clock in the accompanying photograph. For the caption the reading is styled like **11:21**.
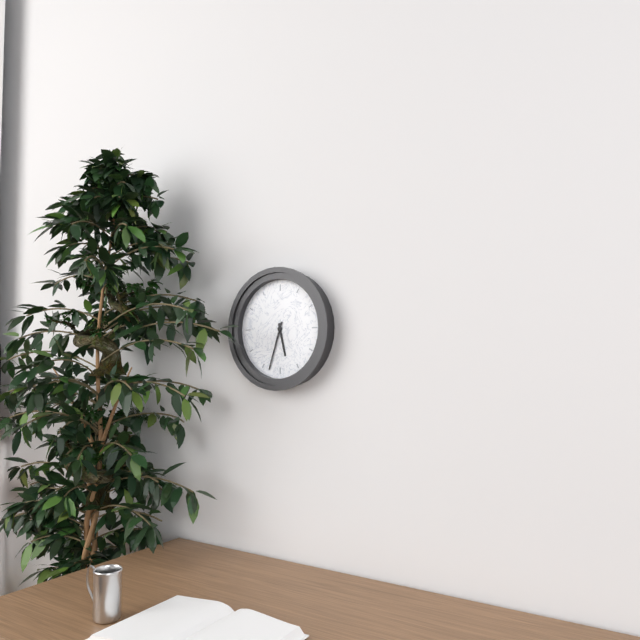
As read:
**5:33**
